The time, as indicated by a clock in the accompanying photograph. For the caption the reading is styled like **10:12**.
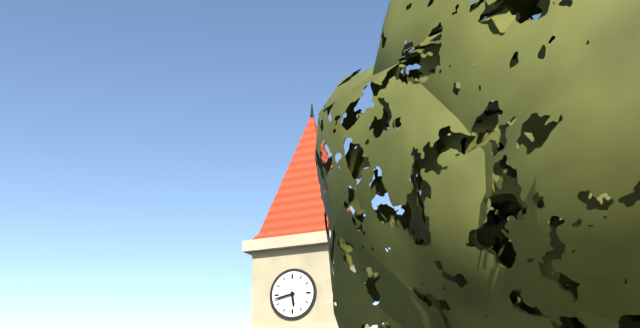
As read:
**5:43**
